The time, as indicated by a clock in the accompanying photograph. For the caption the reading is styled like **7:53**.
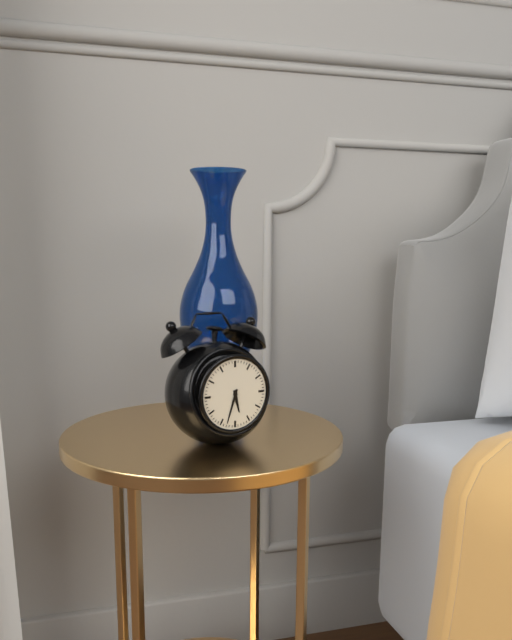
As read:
**5:33**
